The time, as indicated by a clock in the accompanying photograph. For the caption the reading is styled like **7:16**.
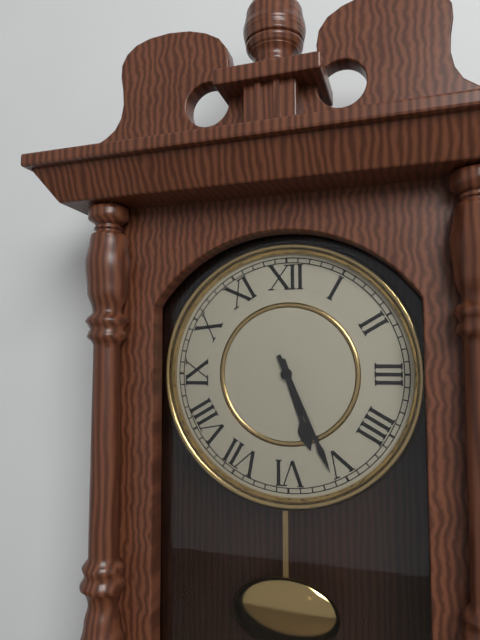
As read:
**5:26**
